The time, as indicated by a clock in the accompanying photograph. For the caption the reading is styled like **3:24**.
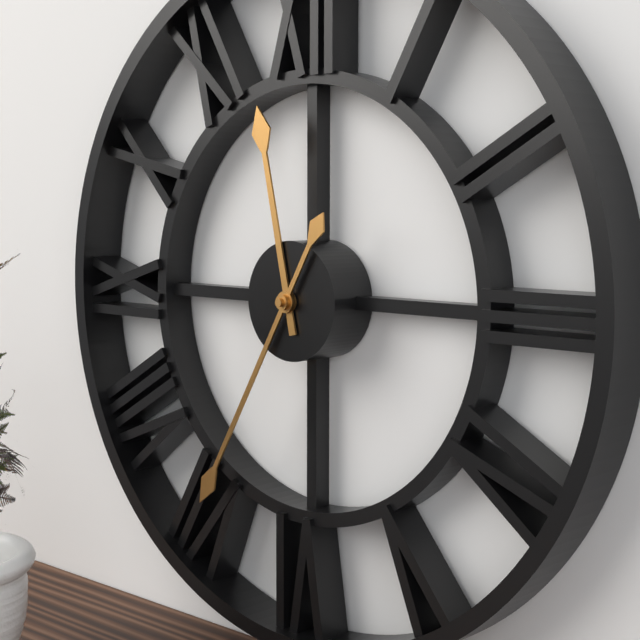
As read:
**11:35**
